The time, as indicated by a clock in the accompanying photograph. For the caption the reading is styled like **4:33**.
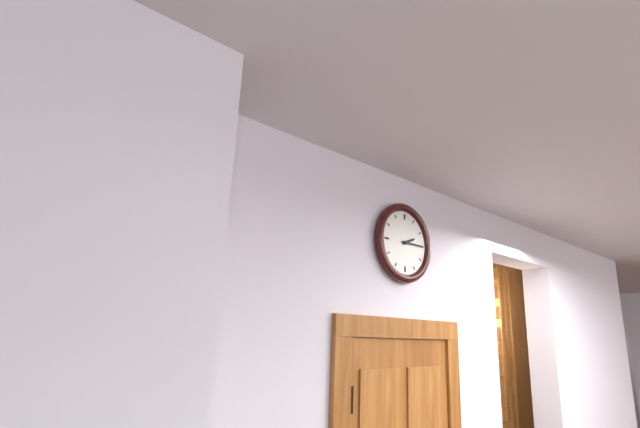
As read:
**2:15**
